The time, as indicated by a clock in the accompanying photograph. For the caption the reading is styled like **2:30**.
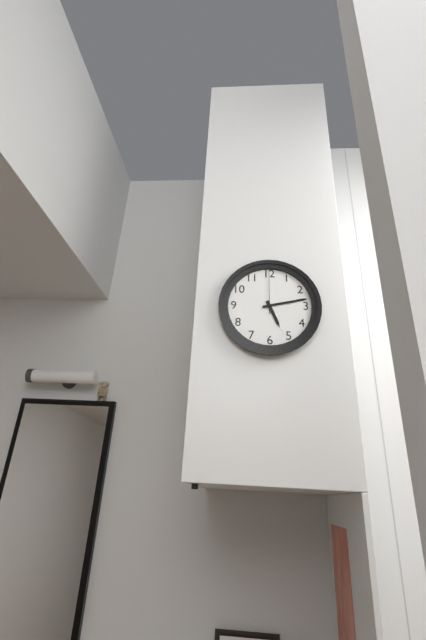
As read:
**5:13**
